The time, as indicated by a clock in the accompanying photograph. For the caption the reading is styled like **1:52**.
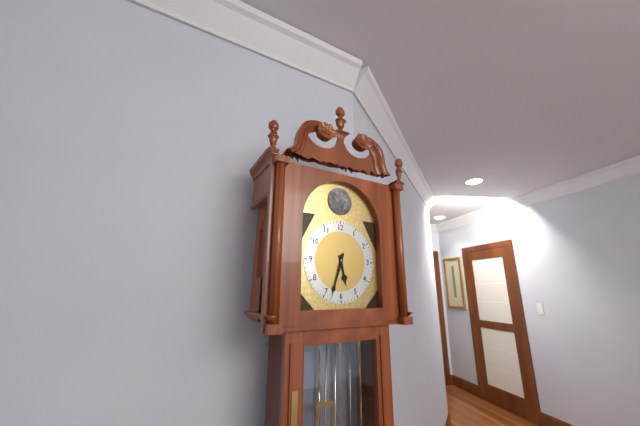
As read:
**5:33**
